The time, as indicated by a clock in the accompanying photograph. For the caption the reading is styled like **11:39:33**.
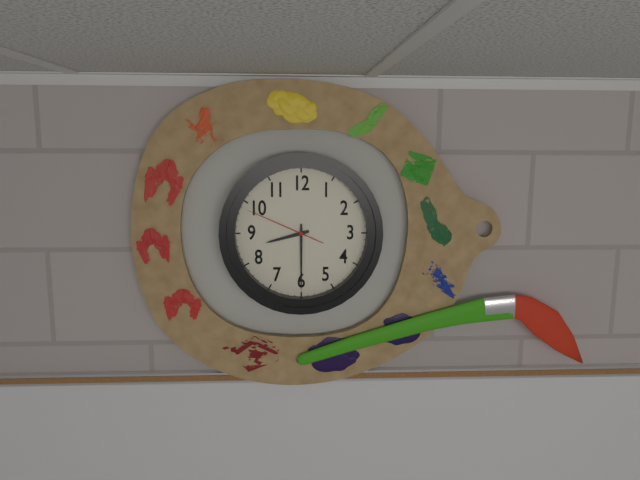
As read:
**8:30:49**
